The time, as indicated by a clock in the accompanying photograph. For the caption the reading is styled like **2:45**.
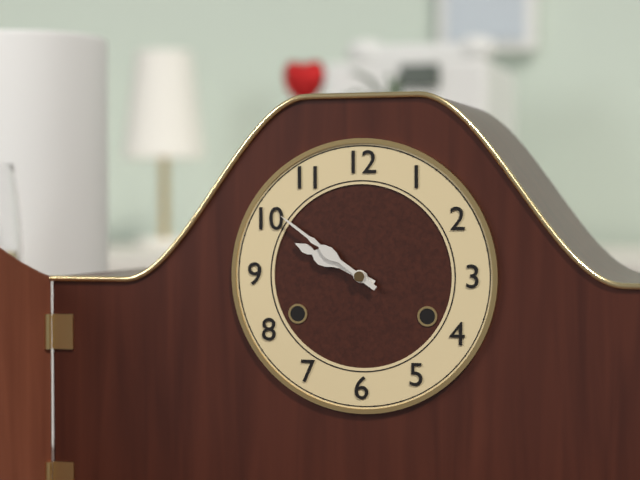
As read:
**9:51**
